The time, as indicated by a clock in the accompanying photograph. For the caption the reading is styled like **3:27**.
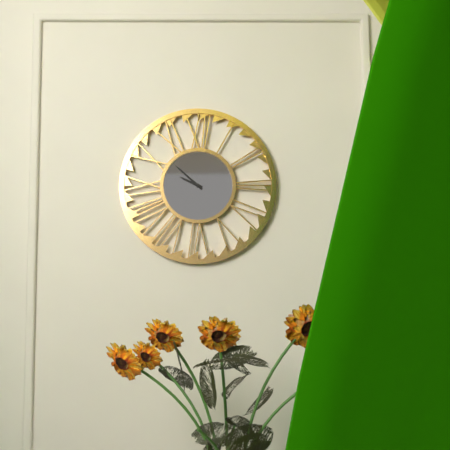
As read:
**9:52**
